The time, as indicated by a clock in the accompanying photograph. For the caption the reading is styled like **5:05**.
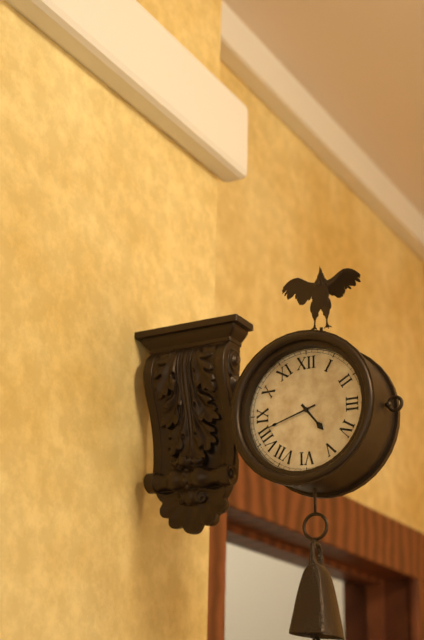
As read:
**4:42**
